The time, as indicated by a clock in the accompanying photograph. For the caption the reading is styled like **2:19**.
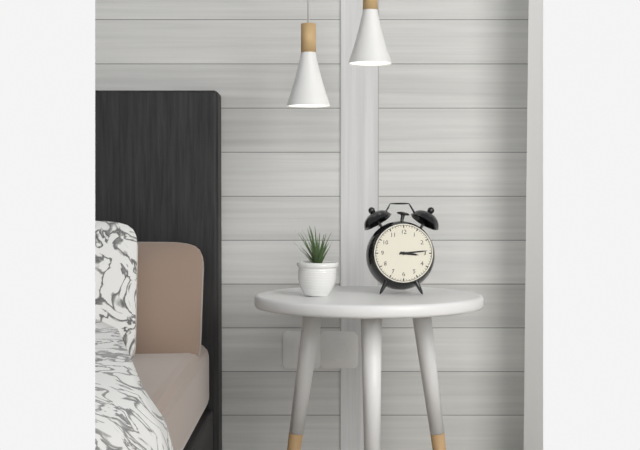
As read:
**3:14**
